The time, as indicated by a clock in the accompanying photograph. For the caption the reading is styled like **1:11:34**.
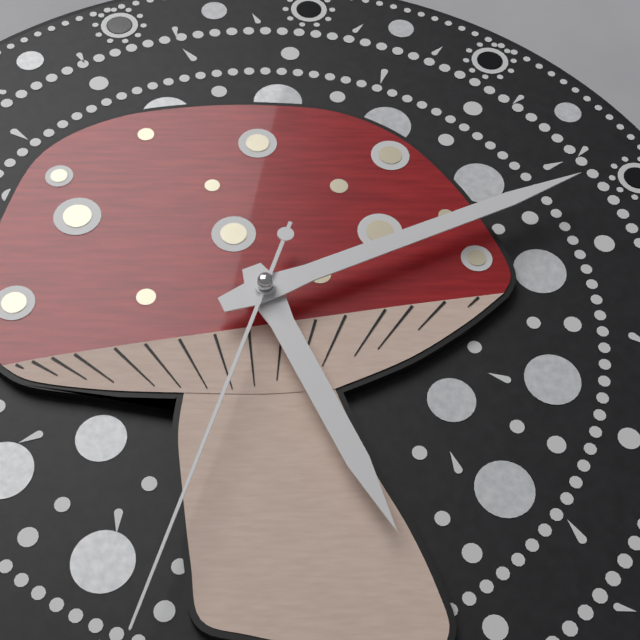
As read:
**5:11:33**
